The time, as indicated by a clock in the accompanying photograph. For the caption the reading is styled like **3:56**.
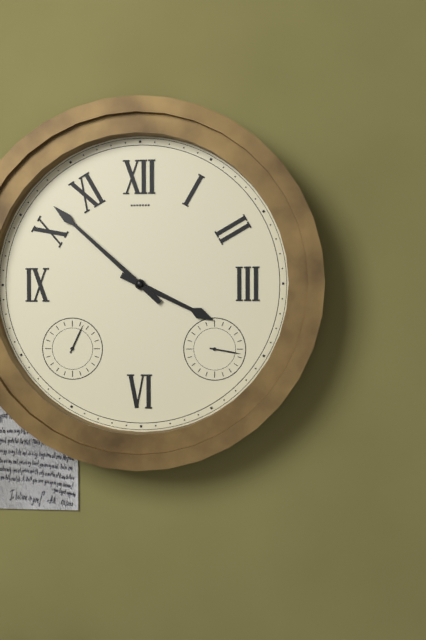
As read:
**3:52**
